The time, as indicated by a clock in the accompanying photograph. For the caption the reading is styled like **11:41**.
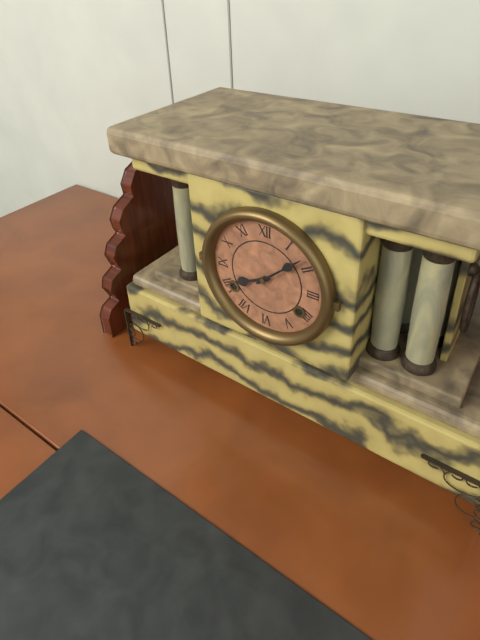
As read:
**8:08**
